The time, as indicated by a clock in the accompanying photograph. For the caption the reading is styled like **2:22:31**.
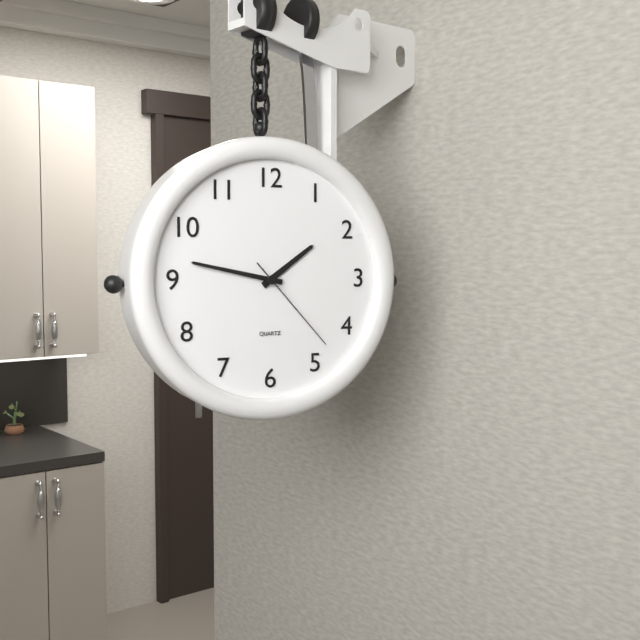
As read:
**1:47:23**
